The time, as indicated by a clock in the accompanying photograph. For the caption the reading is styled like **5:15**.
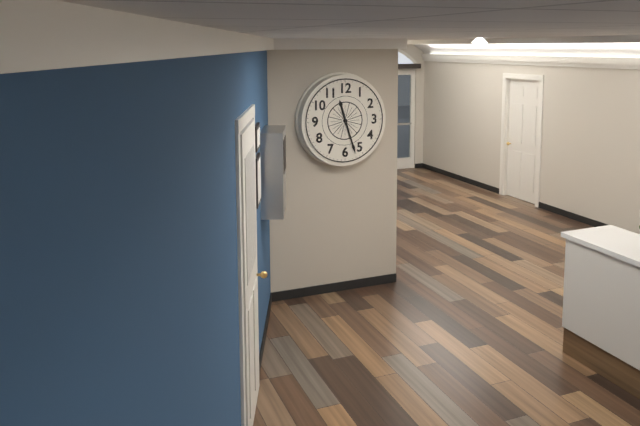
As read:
**11:27**
